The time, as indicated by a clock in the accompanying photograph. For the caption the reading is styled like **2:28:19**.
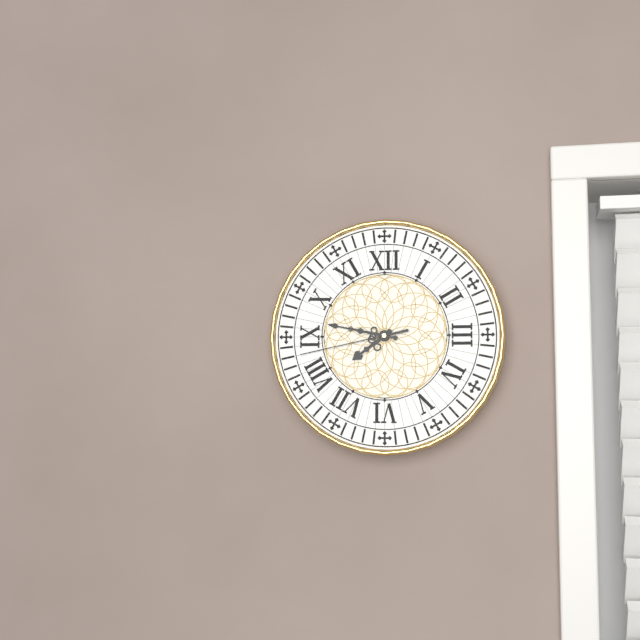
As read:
**7:47:43**
